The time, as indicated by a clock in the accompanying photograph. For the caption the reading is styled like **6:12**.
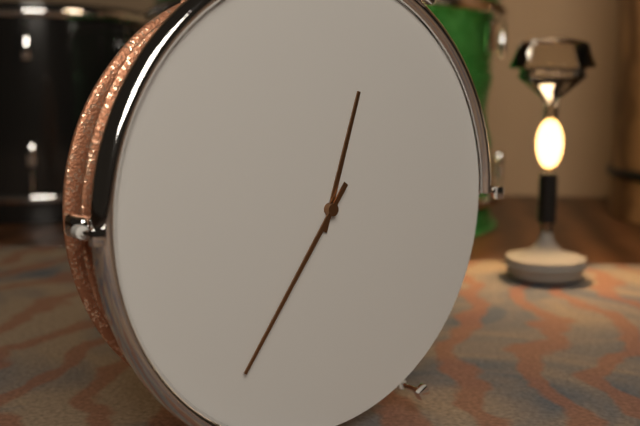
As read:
**12:36**
